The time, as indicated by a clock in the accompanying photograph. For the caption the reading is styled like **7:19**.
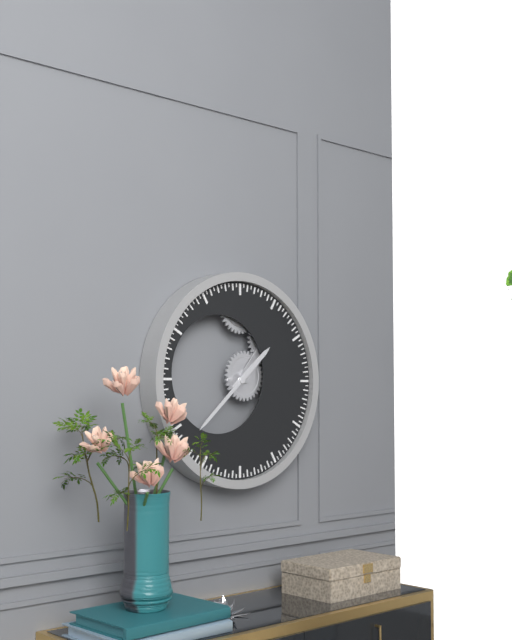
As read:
**1:38**
